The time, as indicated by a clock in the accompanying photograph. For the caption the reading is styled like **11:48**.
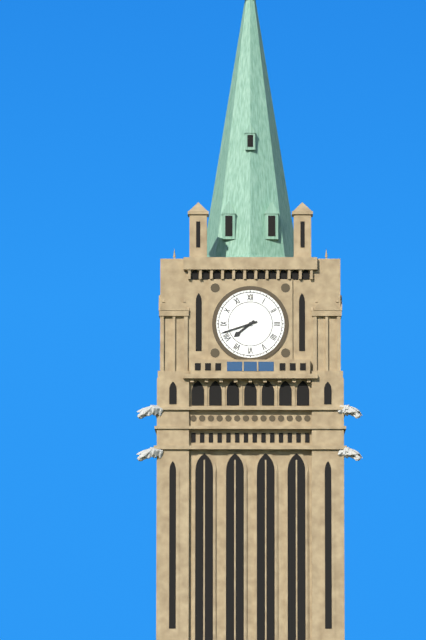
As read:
**7:42**
